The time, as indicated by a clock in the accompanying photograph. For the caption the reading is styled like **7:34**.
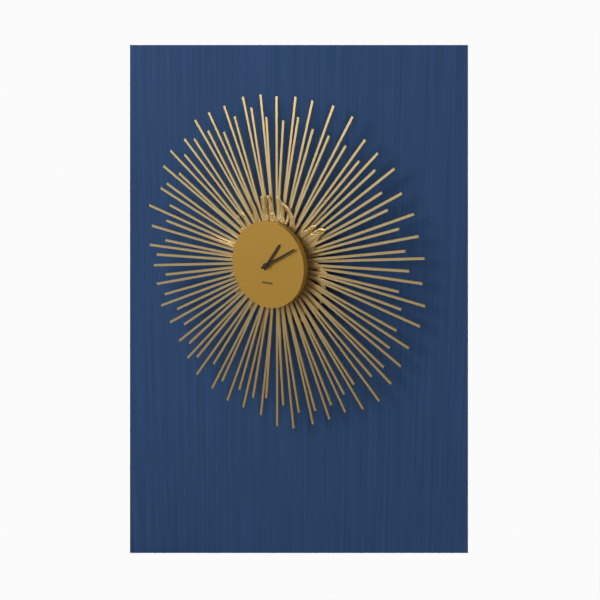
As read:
**1:10**
